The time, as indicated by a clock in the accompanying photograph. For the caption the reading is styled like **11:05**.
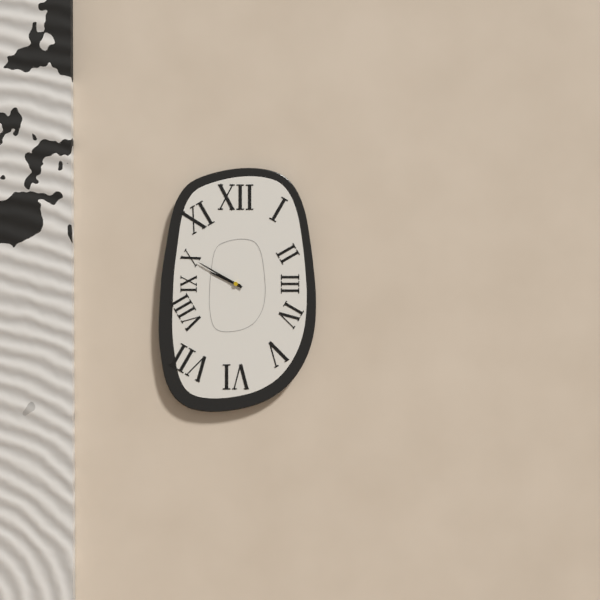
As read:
**9:50**
